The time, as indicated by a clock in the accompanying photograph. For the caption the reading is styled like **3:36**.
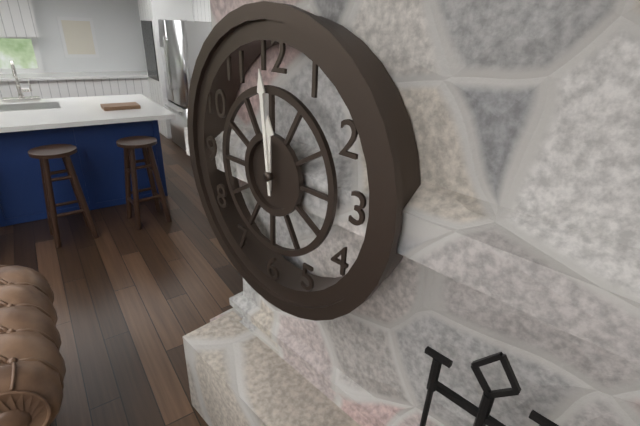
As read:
**11:59**
